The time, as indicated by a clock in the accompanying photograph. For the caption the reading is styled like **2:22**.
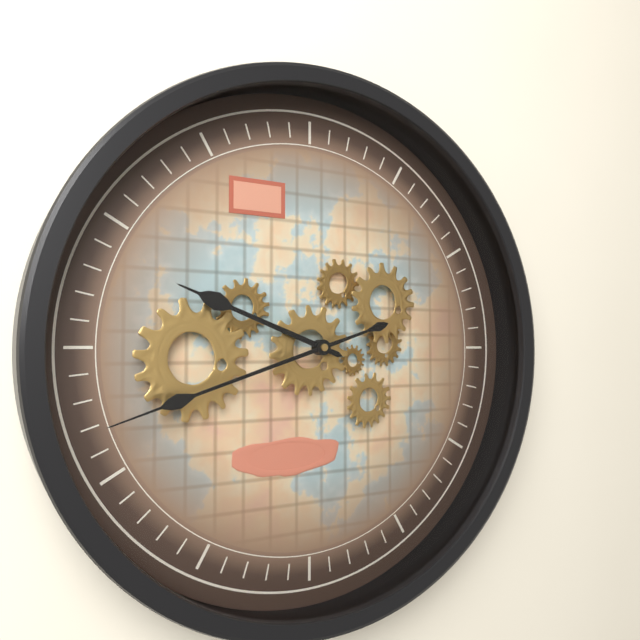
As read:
**9:42**
